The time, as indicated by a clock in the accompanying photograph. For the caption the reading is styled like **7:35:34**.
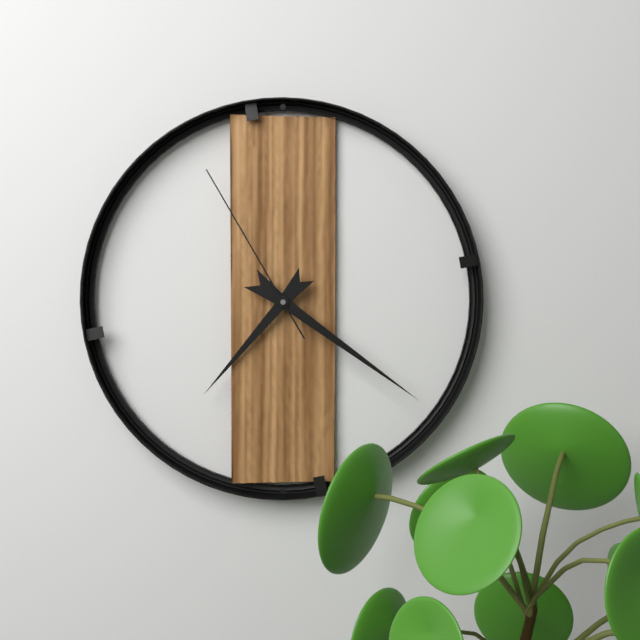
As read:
**7:21:55**
